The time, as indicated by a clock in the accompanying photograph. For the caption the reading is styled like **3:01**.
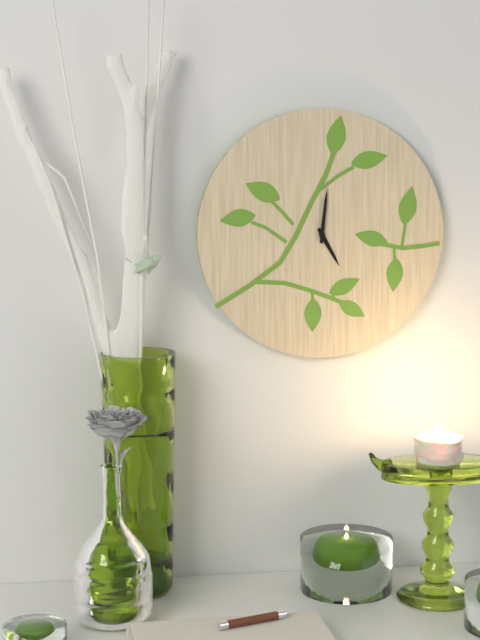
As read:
**5:01**
